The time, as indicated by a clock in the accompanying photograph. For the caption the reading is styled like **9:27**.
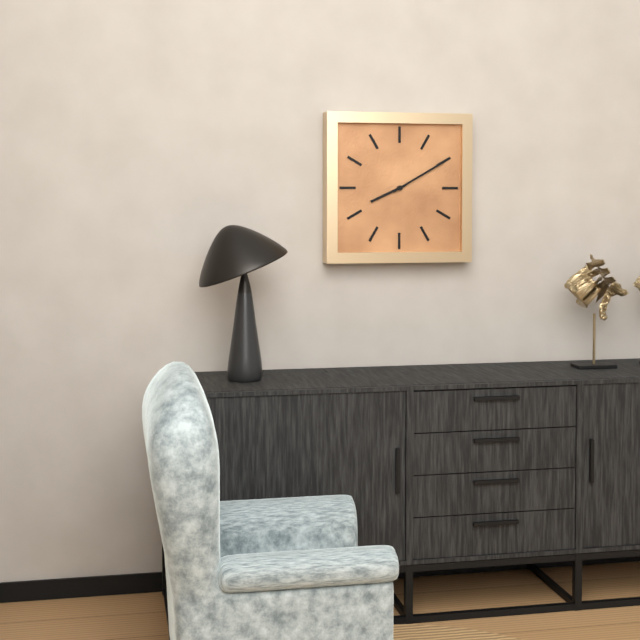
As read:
**8:10**
